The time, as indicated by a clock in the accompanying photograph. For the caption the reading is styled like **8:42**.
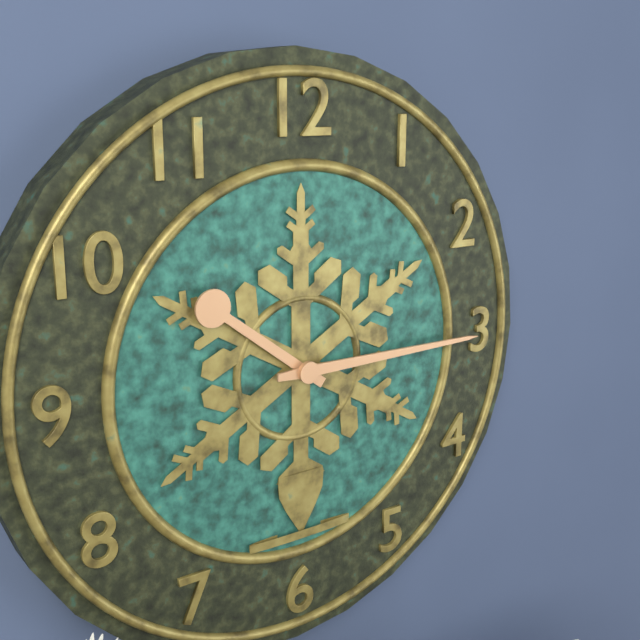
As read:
**10:15**
